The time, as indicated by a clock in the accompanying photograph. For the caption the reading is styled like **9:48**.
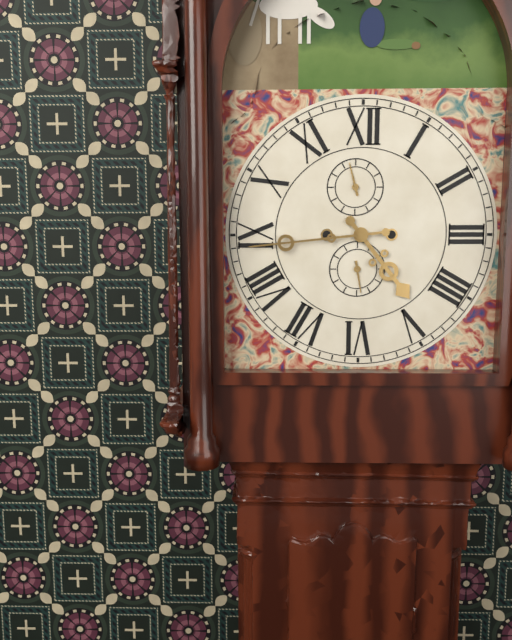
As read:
**4:44**
